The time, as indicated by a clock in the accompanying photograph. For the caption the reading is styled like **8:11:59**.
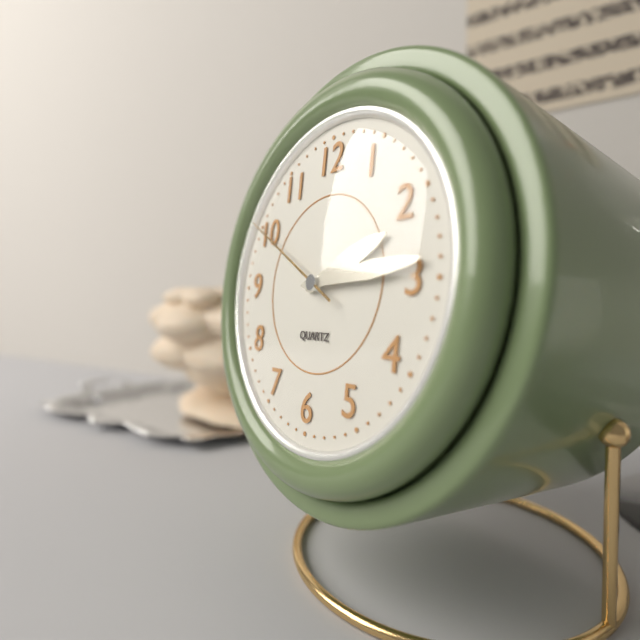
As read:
**2:14:50**
